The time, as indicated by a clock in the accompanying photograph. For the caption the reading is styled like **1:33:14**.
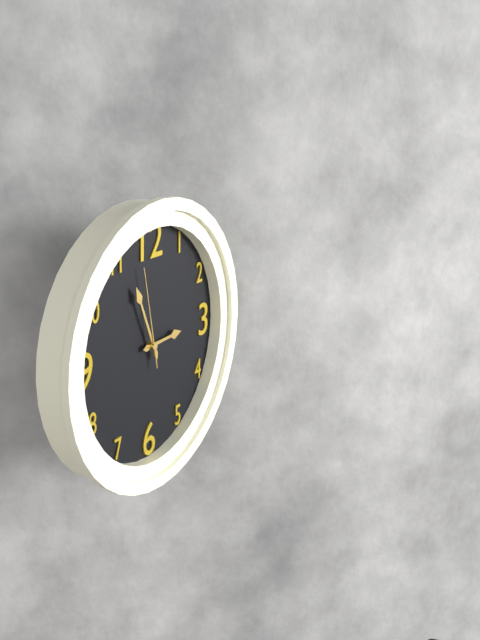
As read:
**2:56:58**
